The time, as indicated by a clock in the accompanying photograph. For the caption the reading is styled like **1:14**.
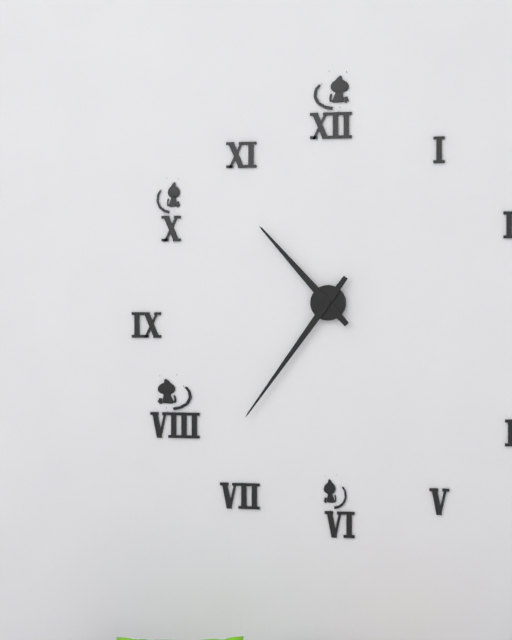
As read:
**10:36**
